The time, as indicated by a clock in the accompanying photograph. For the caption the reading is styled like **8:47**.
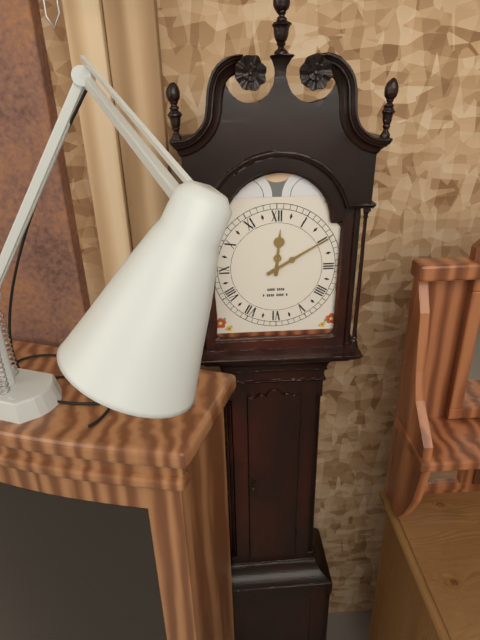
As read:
**12:10**
